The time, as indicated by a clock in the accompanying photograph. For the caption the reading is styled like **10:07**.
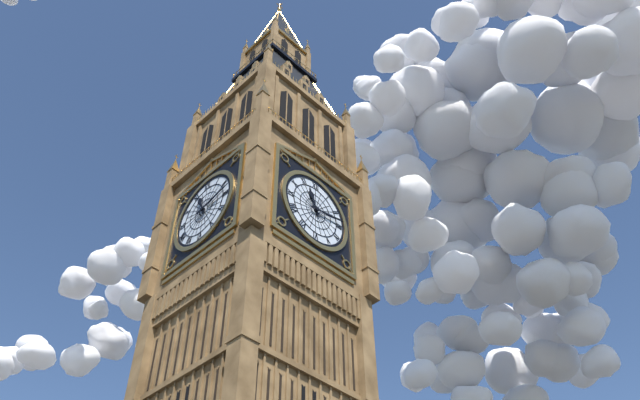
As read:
**11:13**
